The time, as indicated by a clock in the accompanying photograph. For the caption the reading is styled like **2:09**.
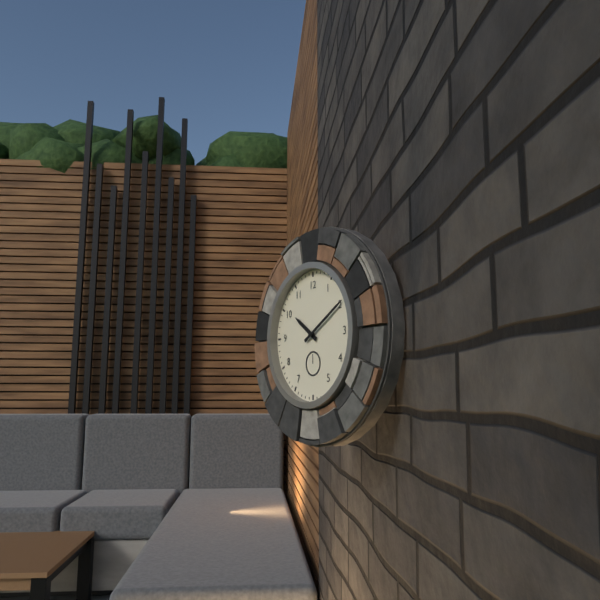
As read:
**10:10**
